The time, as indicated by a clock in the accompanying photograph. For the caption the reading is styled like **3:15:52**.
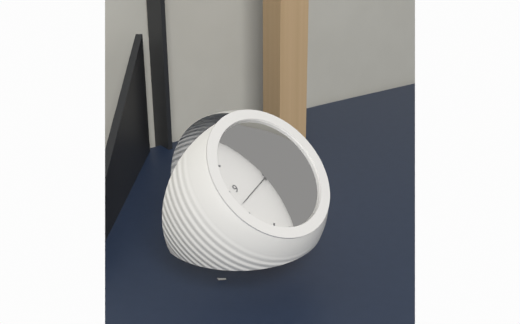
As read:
**4:11:42**
